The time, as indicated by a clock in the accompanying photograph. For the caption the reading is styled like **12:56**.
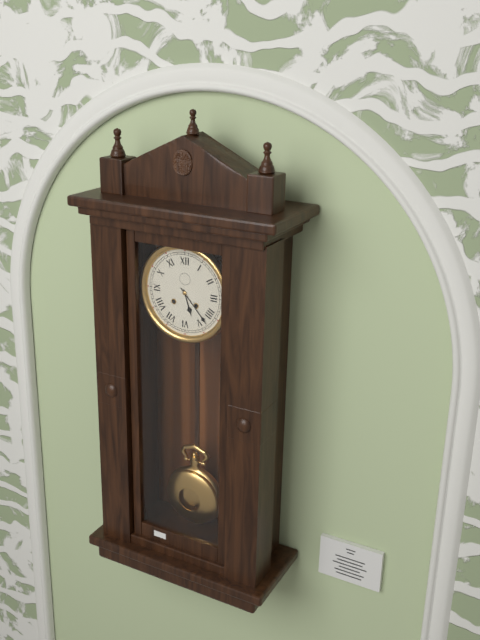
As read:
**5:23**
